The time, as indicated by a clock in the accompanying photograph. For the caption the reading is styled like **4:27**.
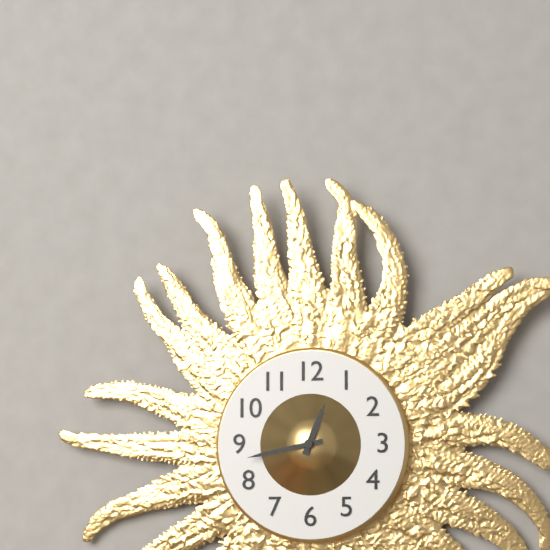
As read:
**12:43**
